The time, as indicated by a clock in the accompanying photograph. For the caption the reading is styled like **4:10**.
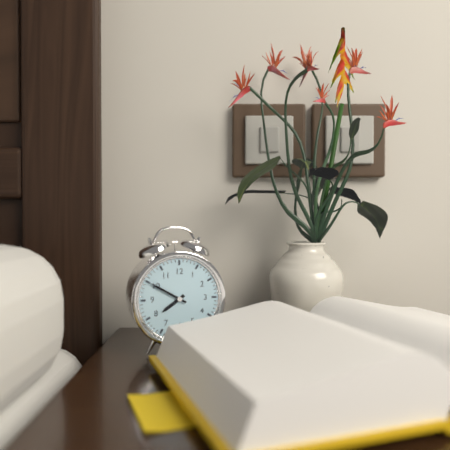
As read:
**7:50**
